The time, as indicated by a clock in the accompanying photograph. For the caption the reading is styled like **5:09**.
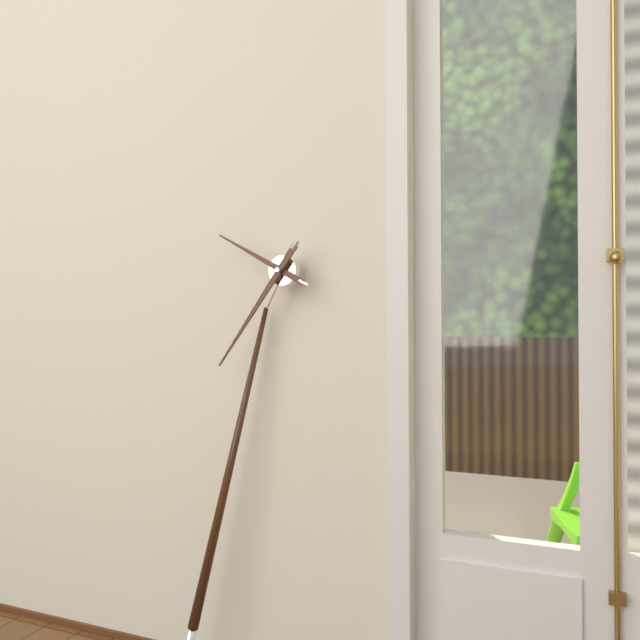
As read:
**9:34**
